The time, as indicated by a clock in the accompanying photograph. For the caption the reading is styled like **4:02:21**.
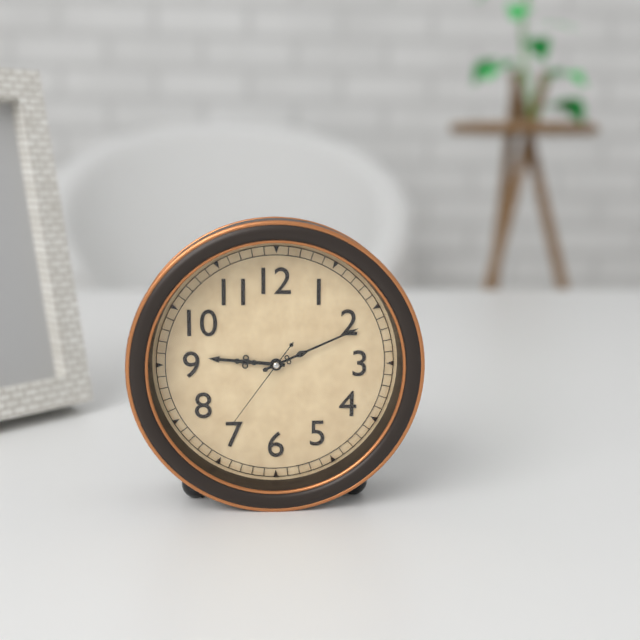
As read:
**9:11:36**
